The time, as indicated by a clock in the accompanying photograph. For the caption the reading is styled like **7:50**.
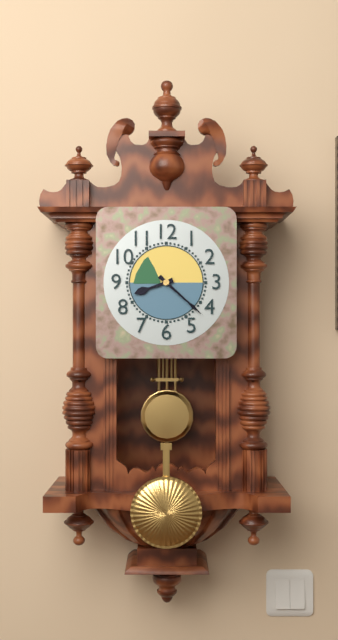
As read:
**8:22**
